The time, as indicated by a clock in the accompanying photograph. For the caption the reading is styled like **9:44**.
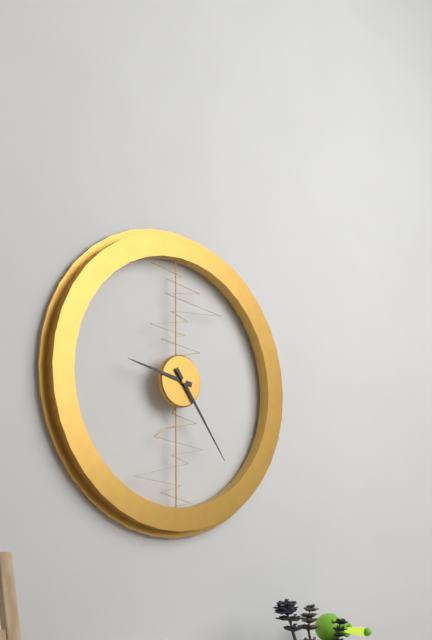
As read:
**9:24**
